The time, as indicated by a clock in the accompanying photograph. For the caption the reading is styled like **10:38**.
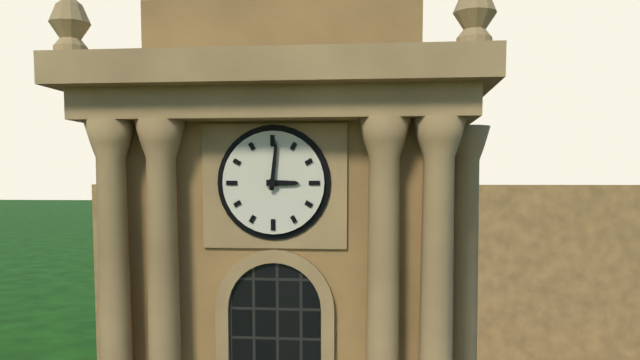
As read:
**3:01**
